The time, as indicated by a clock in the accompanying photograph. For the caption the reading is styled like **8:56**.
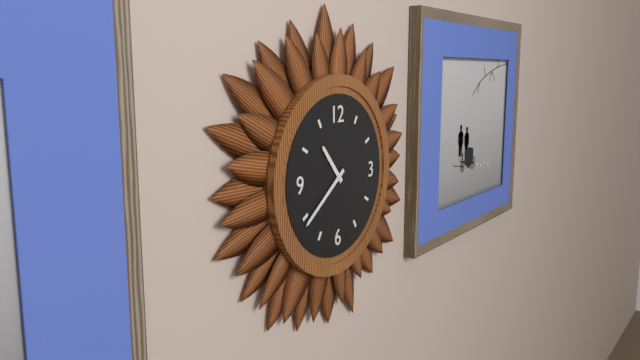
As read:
**10:39**
